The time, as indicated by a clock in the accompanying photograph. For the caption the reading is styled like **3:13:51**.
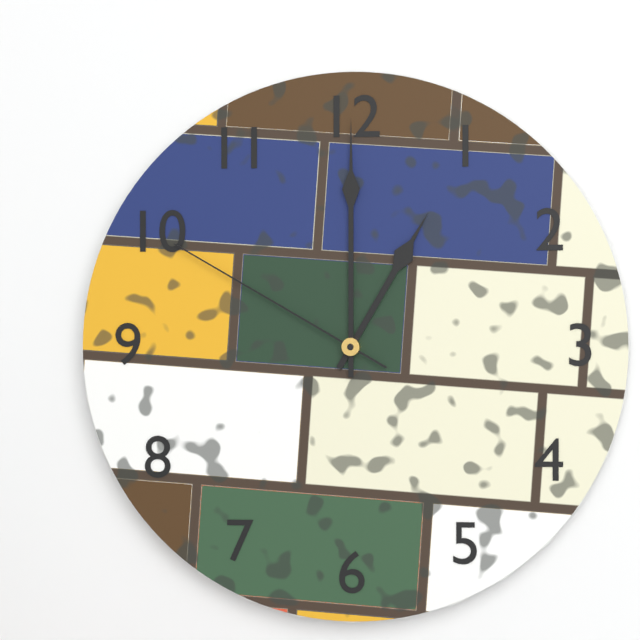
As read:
**1:00:50**
